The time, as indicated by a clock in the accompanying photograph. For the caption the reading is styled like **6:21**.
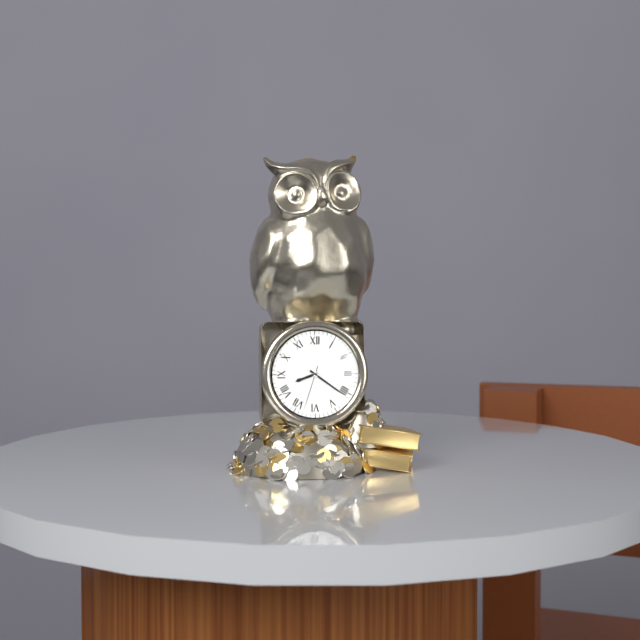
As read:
**8:21**
